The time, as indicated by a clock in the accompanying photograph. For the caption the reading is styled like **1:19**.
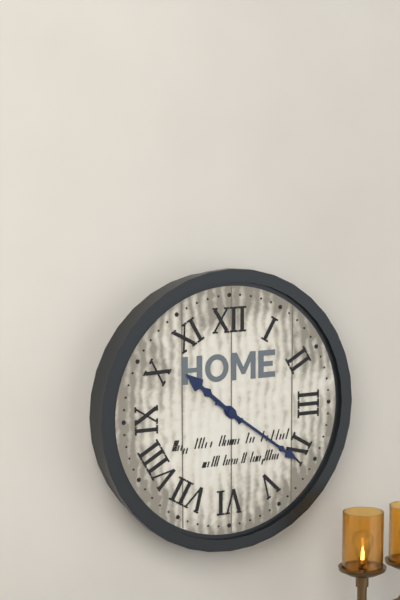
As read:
**10:21**
